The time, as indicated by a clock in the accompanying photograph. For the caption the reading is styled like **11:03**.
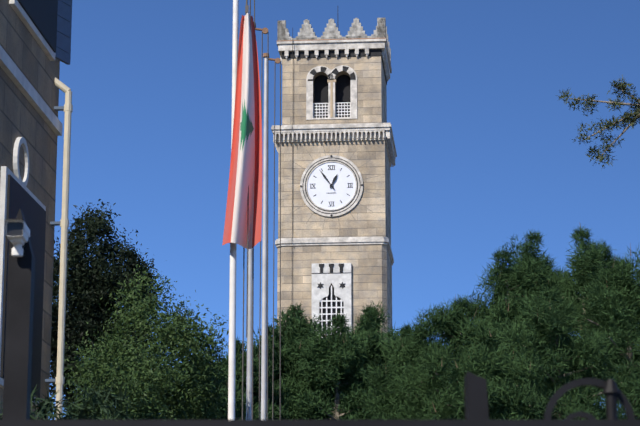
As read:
**12:54**
